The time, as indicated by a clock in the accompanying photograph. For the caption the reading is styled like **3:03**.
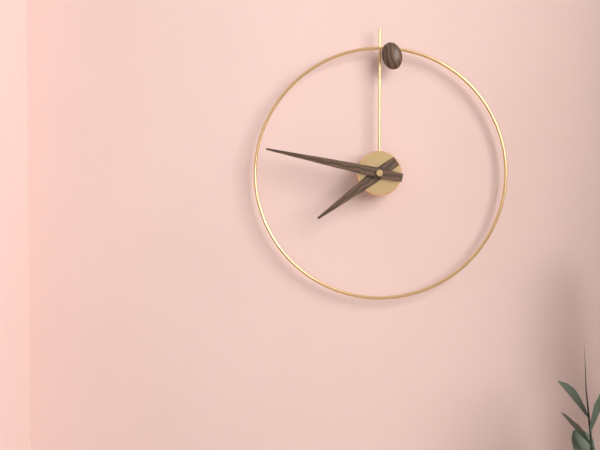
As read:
**7:47**
